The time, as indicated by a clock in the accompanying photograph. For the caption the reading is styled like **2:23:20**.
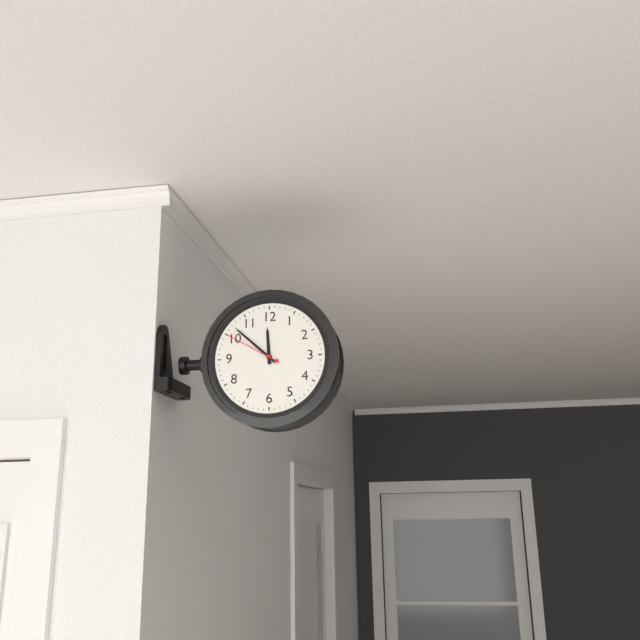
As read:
**11:52:50**
